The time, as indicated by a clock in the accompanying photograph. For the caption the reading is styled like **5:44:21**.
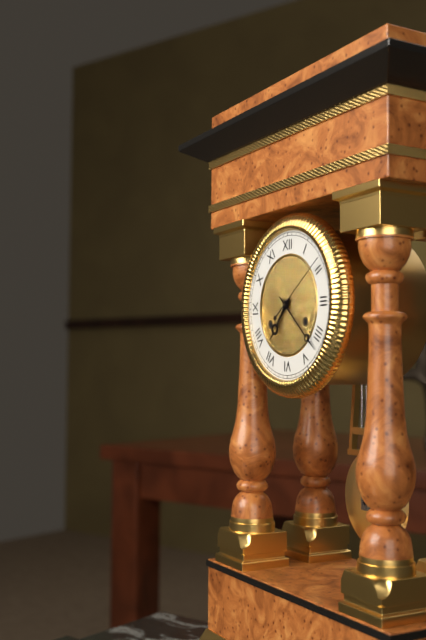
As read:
**7:22:09**
